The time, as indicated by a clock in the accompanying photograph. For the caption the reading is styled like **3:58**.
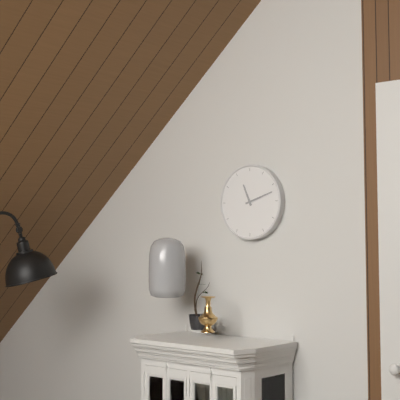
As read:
**11:12**
